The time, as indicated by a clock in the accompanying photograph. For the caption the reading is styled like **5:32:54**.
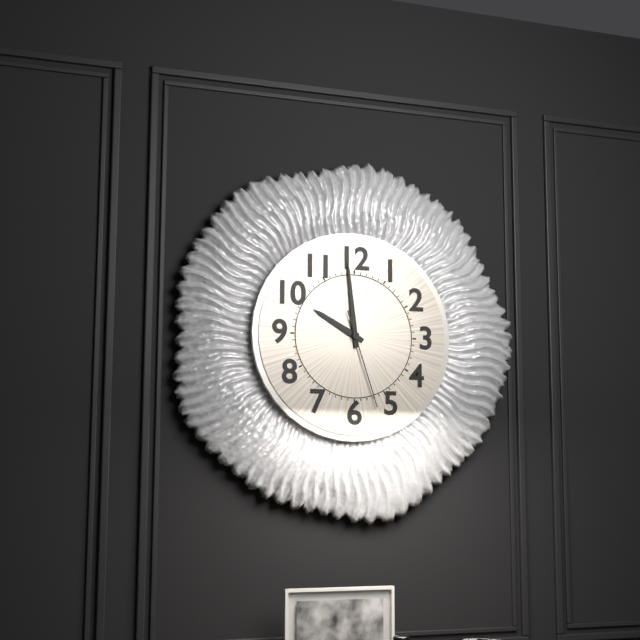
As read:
**9:59:27**
